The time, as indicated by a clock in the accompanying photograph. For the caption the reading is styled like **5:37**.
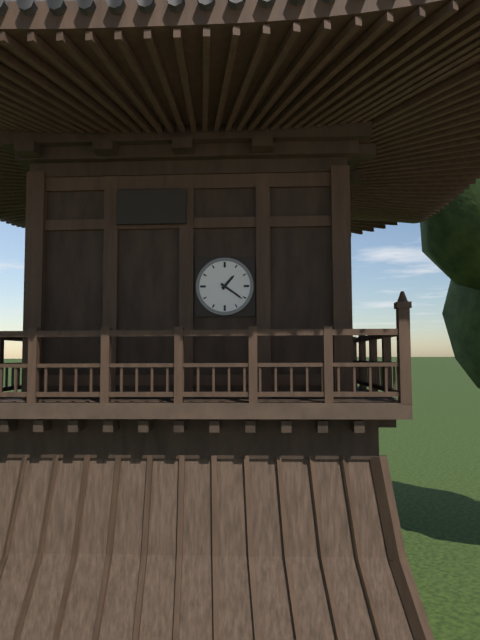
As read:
**1:21**
